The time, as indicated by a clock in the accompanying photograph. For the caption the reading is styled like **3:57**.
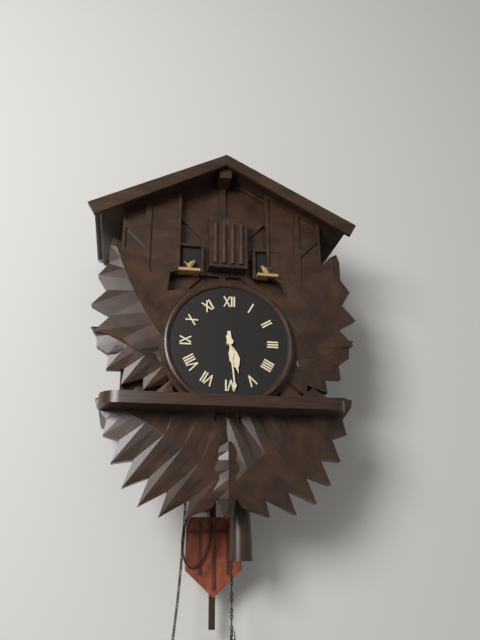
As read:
**5:29**
